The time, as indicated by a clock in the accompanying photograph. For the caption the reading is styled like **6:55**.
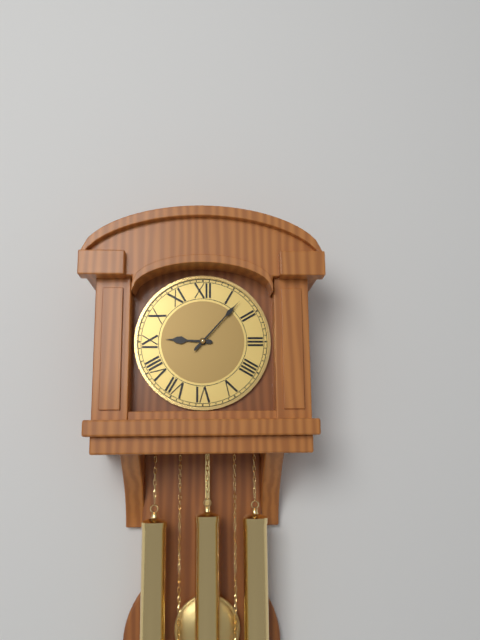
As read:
**9:07**
